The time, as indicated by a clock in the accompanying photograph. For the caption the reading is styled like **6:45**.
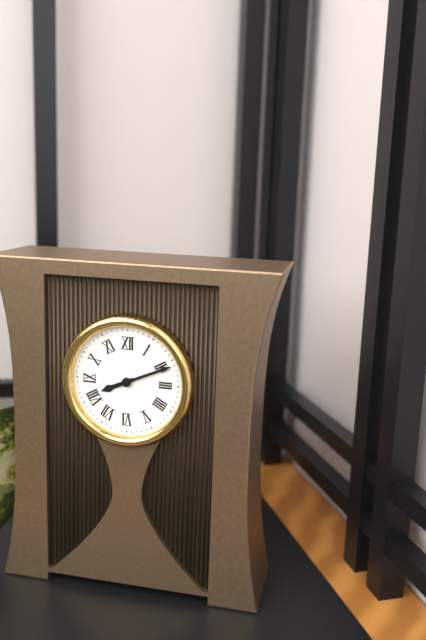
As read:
**8:11**
